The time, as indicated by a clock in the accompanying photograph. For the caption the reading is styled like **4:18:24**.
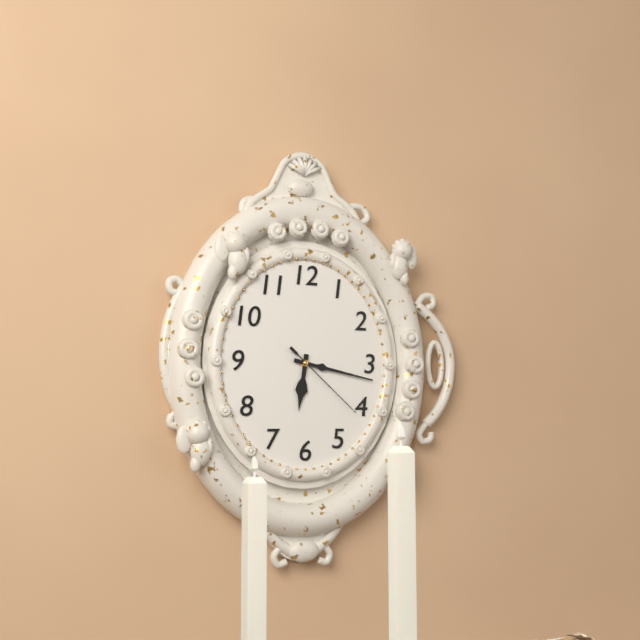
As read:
**6:17:22**
